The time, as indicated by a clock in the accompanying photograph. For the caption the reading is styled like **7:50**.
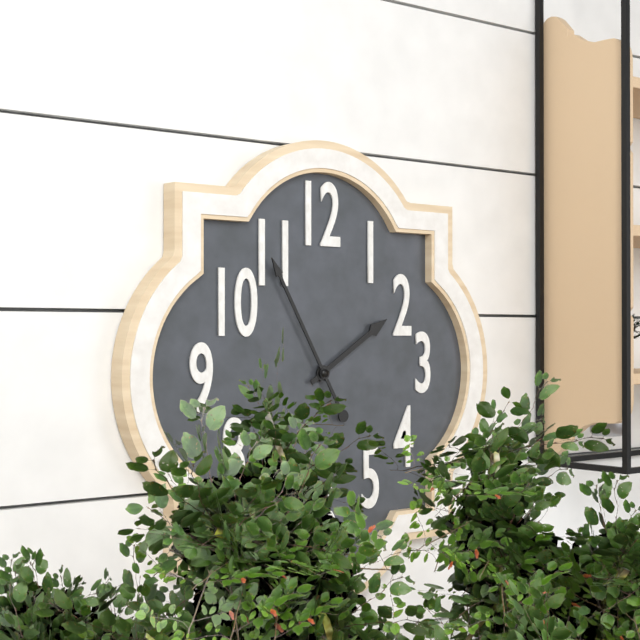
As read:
**1:55**
